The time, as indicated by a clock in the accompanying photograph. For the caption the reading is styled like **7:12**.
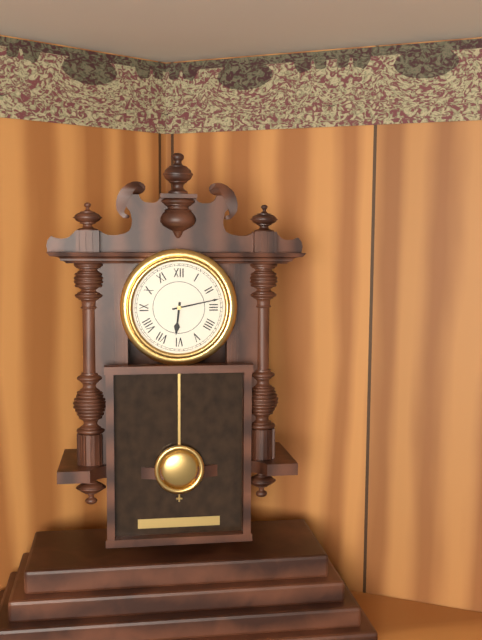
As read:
**6:13**
